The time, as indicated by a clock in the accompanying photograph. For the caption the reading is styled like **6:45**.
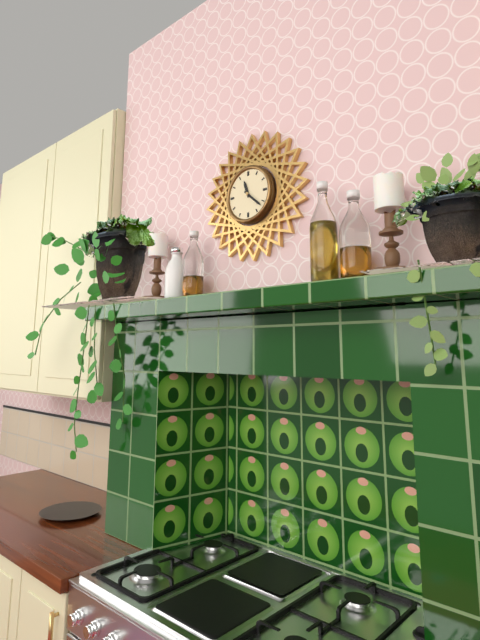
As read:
**11:22**
